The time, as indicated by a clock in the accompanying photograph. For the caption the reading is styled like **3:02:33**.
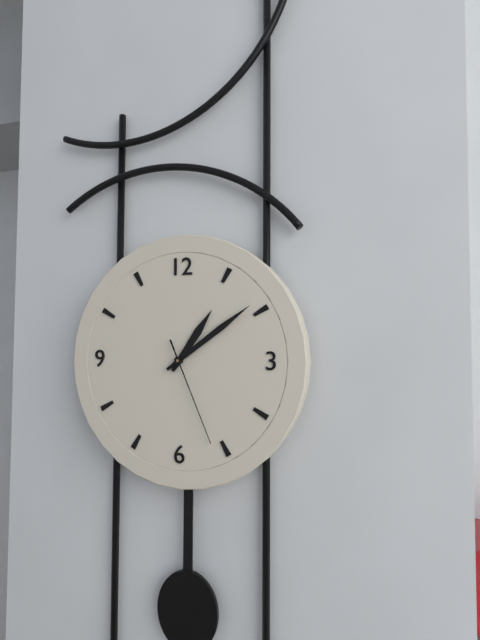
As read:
**1:09:26**
